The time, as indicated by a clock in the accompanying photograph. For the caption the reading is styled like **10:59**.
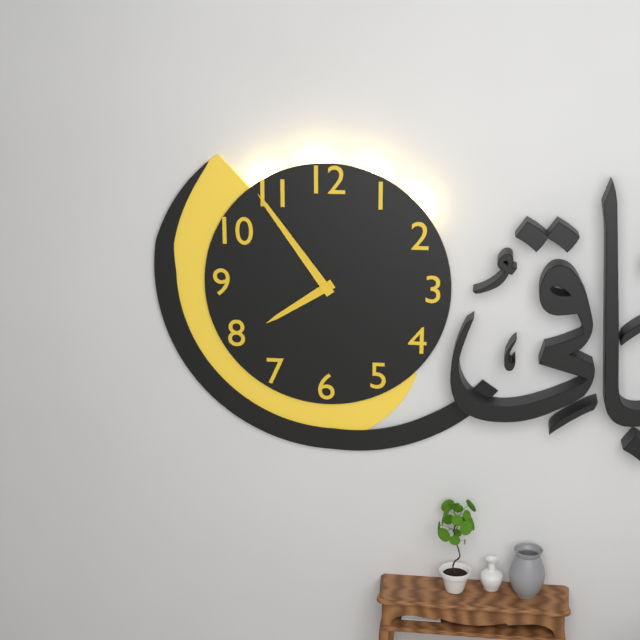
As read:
**7:54**
